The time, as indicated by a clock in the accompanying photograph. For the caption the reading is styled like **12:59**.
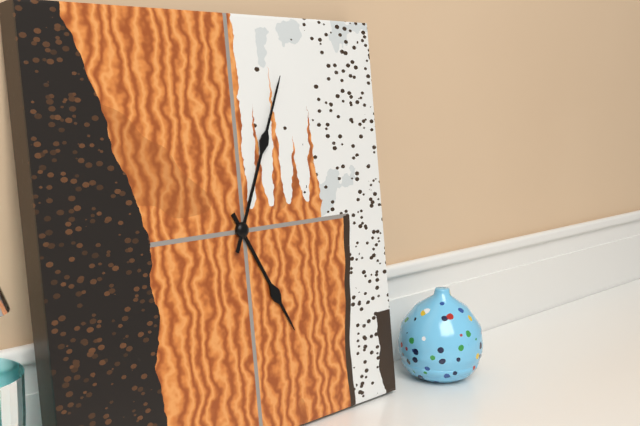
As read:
**5:04**
